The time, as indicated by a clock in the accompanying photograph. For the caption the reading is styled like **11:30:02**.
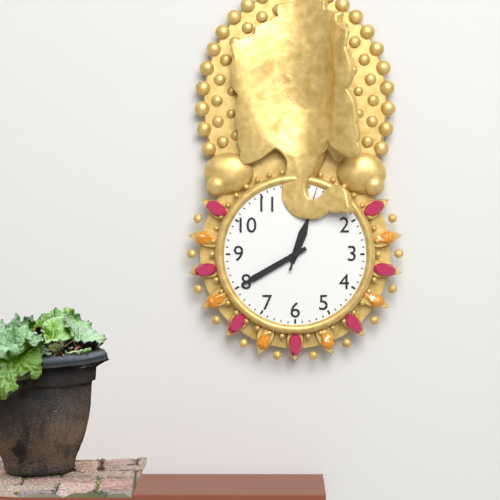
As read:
**12:40:03**
